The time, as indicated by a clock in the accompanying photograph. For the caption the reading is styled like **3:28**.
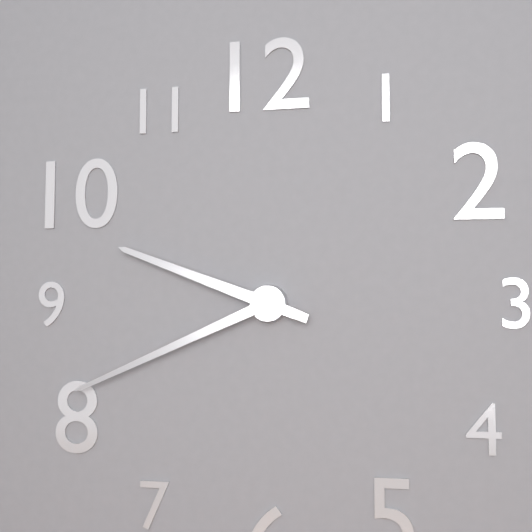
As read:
**9:41**
